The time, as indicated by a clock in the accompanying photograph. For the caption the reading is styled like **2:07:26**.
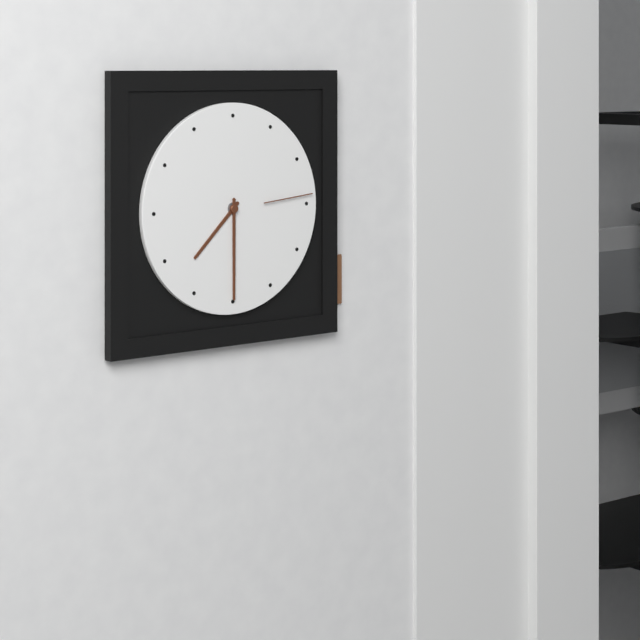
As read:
**7:30:14**
